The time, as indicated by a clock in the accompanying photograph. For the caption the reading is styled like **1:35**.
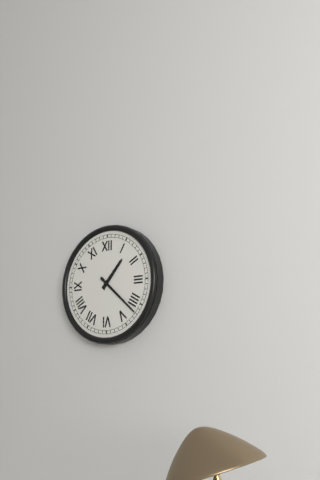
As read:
**1:22**
